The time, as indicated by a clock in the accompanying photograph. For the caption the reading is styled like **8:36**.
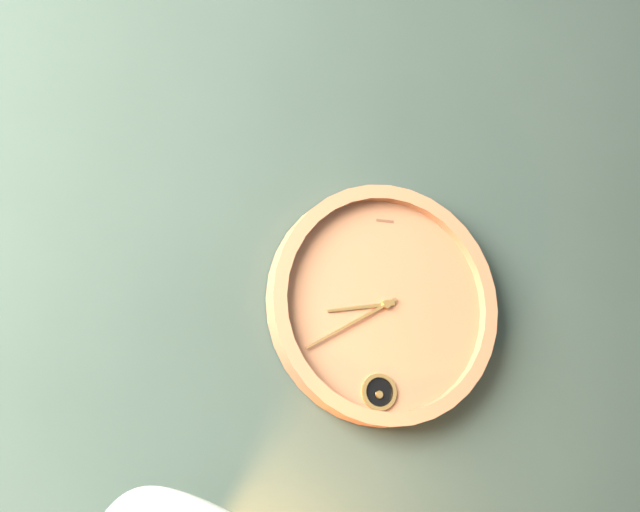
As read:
**8:40**
